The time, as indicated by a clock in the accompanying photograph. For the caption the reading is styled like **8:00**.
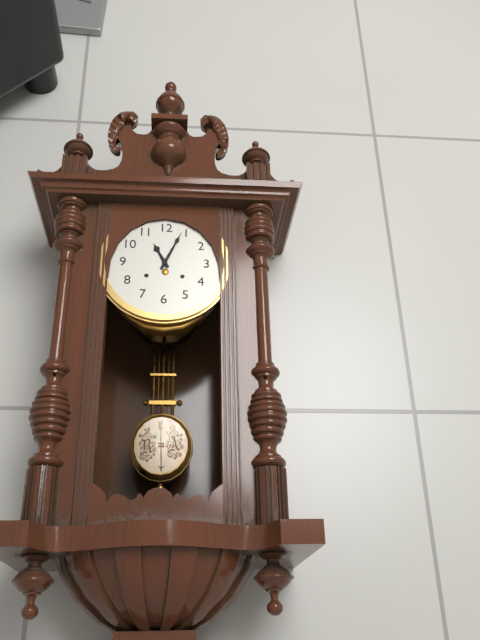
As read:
**11:04**
